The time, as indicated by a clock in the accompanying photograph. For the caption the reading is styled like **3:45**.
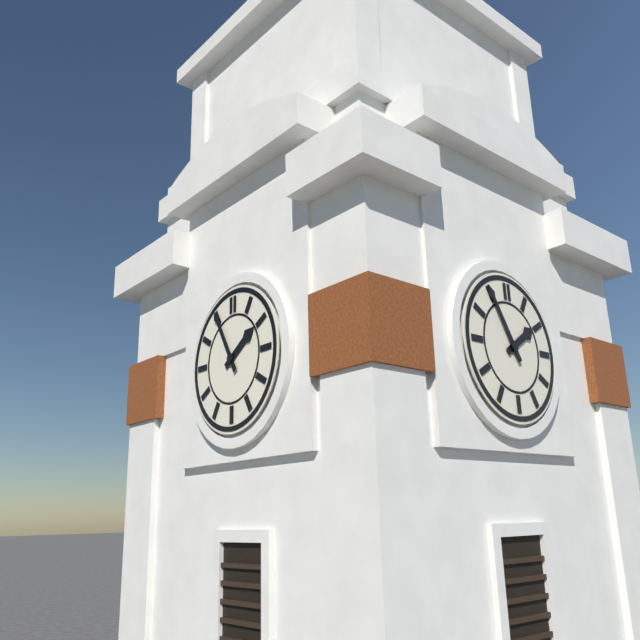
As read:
**1:55**
